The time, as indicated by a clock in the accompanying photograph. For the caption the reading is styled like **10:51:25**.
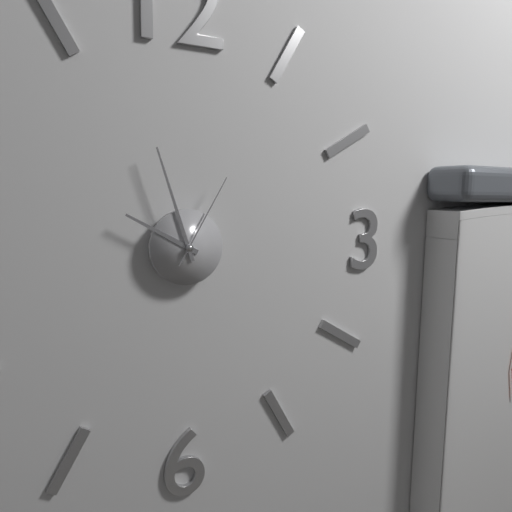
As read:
**9:57:05**
